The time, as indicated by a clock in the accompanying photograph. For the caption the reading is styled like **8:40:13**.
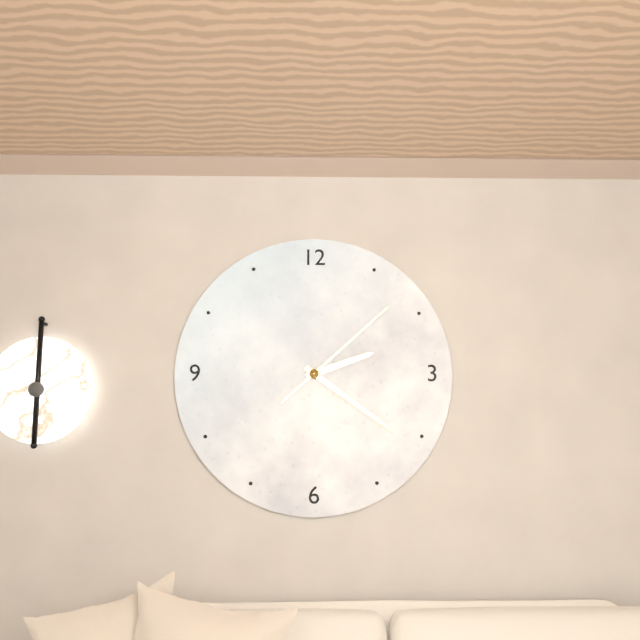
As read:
**2:21:08**
